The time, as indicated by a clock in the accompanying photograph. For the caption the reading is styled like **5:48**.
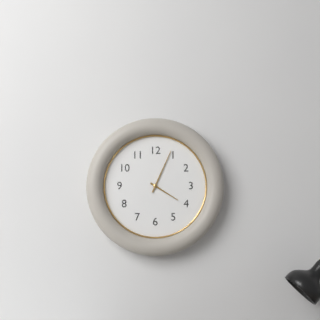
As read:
**4:04**
